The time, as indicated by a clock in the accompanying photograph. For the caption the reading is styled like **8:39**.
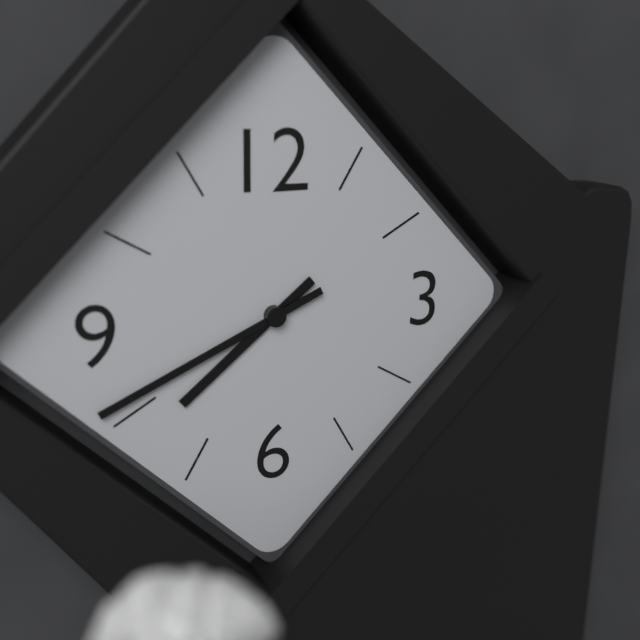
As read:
**7:41**
